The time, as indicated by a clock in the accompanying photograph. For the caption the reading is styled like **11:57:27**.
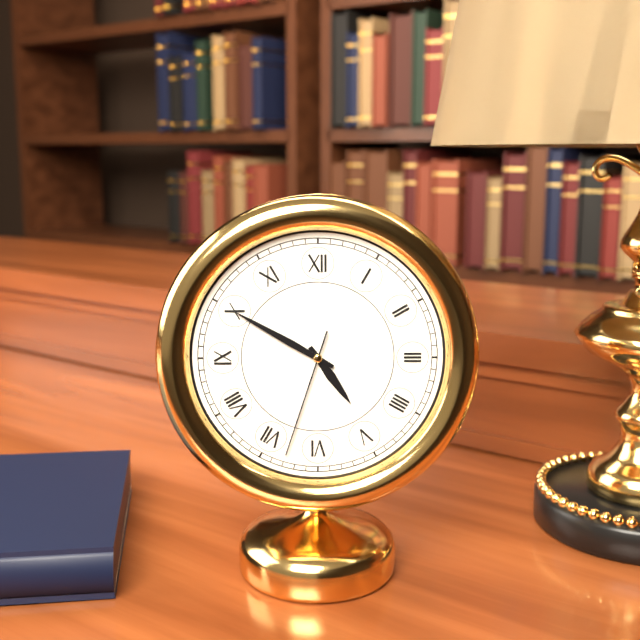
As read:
**4:50:33**
